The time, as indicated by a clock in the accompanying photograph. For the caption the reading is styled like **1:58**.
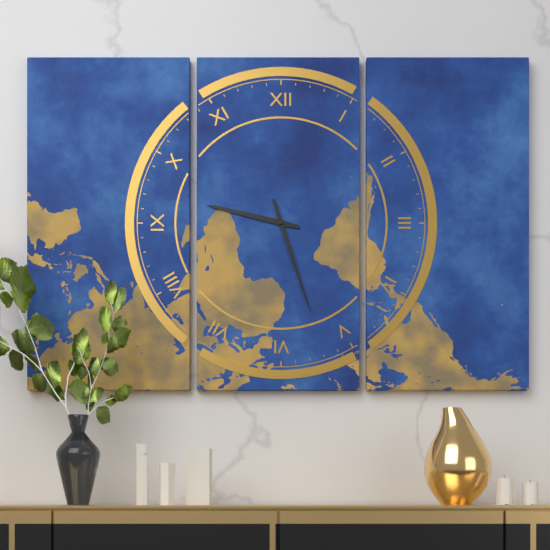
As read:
**9:27**
